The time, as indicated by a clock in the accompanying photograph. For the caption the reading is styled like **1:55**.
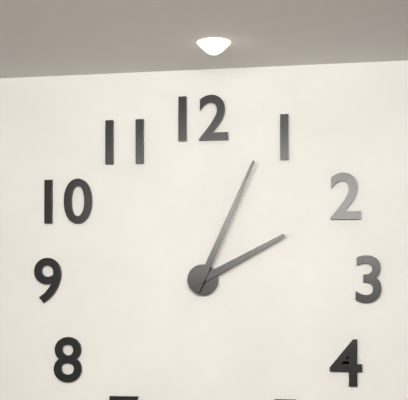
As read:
**2:04**
